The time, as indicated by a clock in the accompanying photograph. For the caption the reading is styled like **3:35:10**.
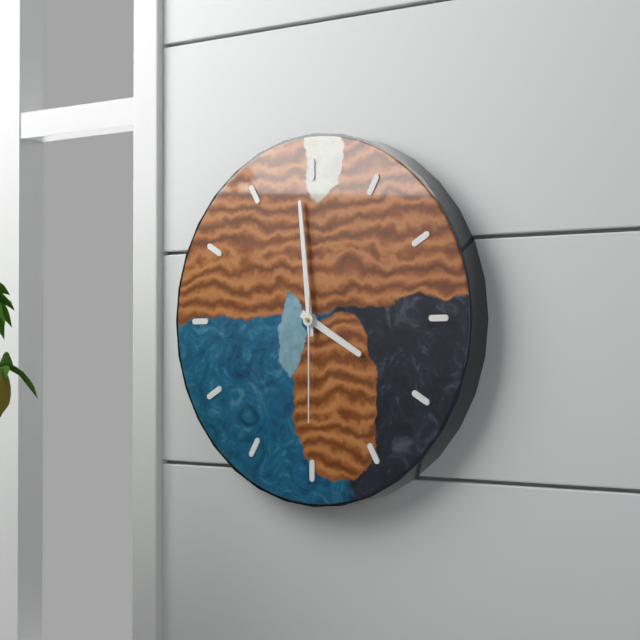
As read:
**3:59:30**
